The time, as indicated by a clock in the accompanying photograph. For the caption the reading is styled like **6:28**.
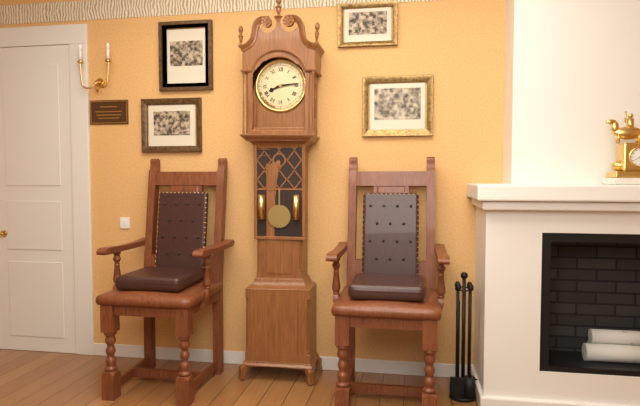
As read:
**8:14**
